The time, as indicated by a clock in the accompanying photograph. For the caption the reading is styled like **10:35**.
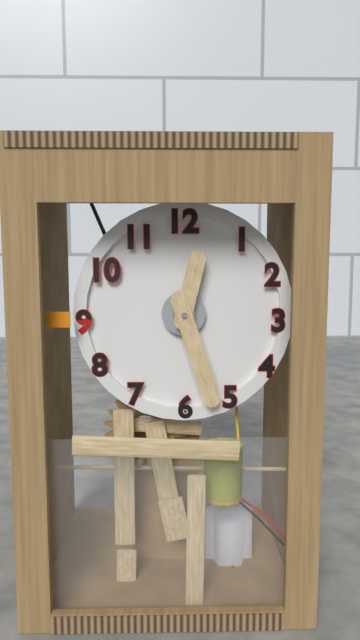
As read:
**12:27**
